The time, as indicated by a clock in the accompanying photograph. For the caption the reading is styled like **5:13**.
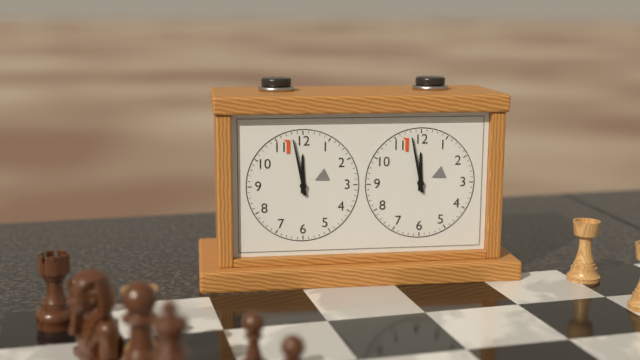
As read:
**11:58**
